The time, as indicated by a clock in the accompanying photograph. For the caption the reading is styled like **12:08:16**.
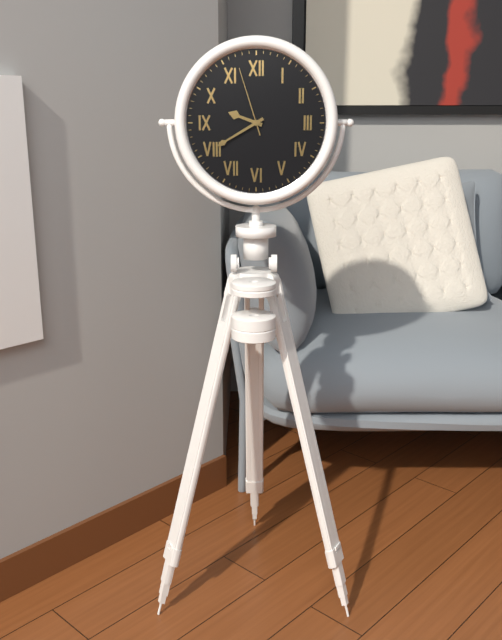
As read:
**9:40:57**
